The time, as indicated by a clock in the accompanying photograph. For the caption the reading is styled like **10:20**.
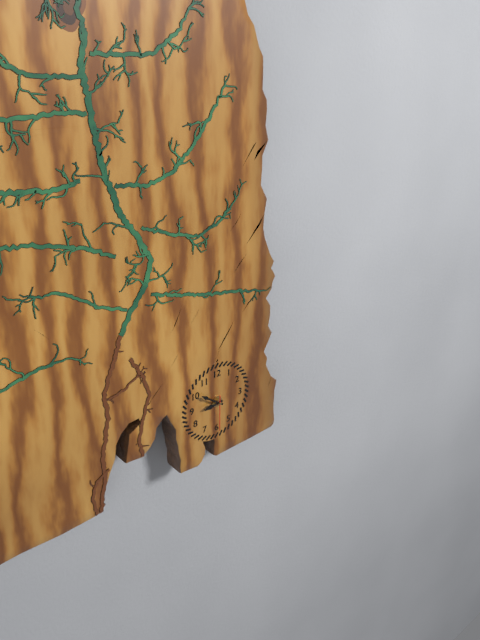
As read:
**8:51**
